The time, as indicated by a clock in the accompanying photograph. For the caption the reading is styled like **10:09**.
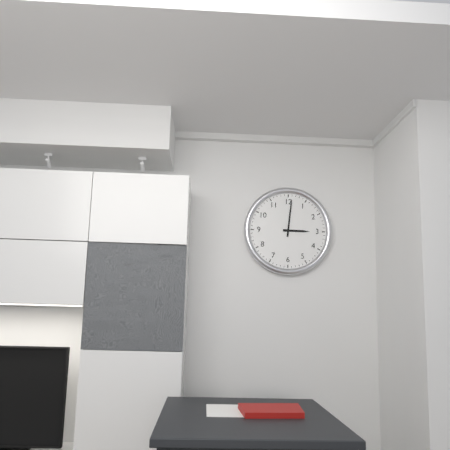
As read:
**3:01**
